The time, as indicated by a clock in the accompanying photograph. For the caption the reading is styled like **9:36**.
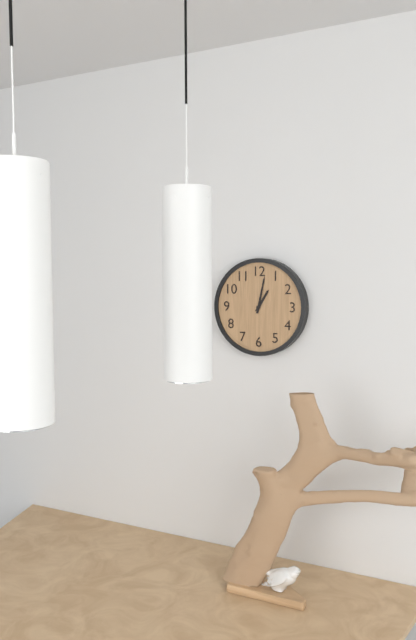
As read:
**1:02**
